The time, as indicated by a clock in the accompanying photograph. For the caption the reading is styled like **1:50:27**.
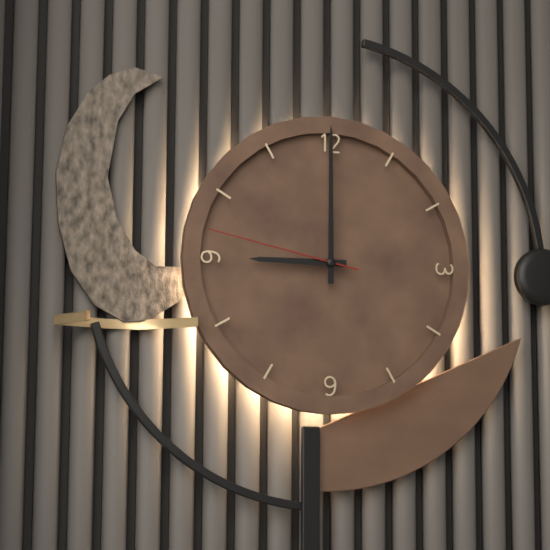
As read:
**9:00:47**
